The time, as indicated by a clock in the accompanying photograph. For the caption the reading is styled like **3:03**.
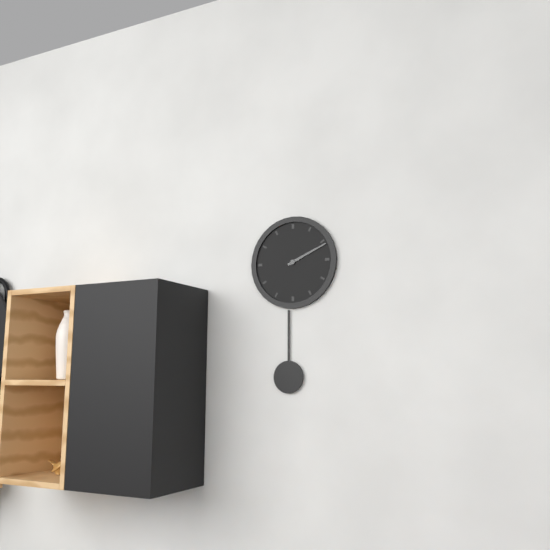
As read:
**2:11**
